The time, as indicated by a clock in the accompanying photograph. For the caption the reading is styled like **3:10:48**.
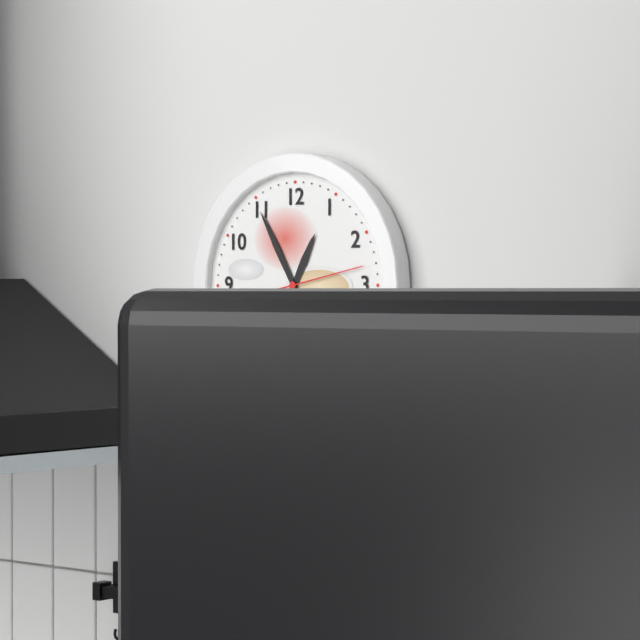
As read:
**12:55:13**
